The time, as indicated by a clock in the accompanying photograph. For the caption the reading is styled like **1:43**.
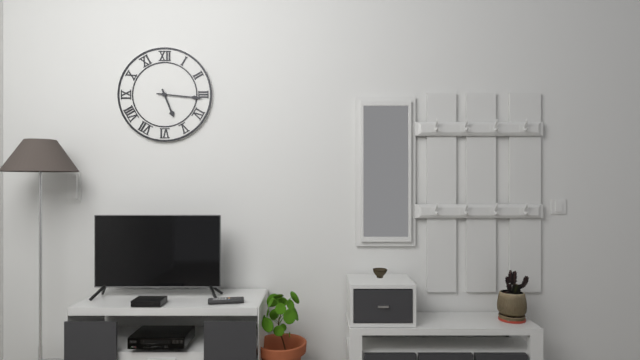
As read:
**5:16**
